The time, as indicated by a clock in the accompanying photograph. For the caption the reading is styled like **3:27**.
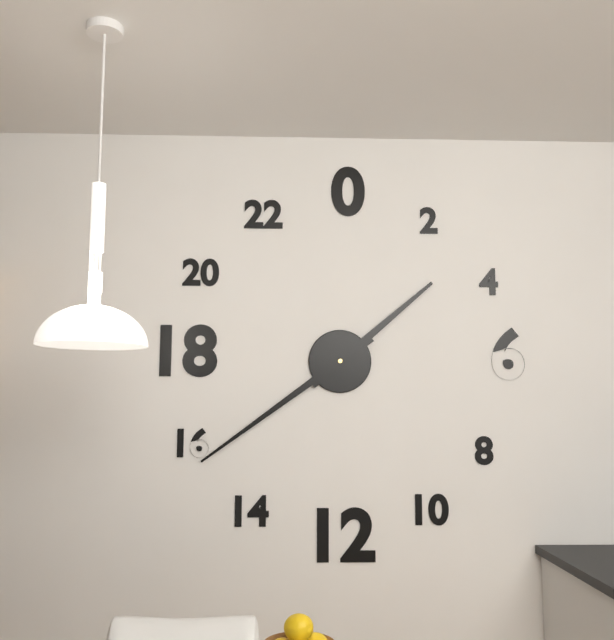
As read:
**1:39**
